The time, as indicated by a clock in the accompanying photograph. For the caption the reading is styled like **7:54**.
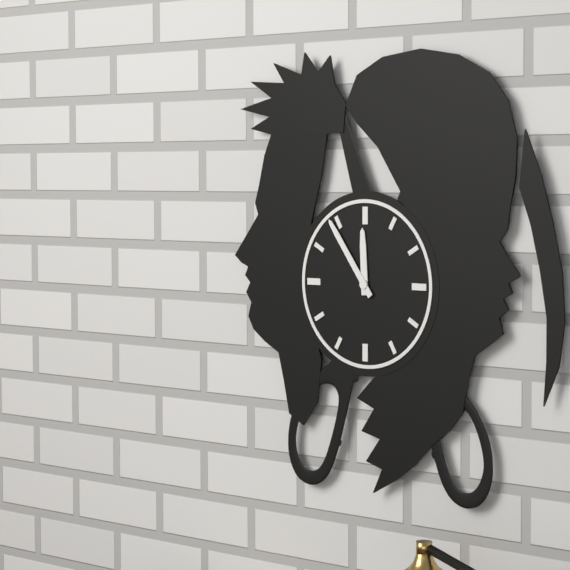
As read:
**11:54**
